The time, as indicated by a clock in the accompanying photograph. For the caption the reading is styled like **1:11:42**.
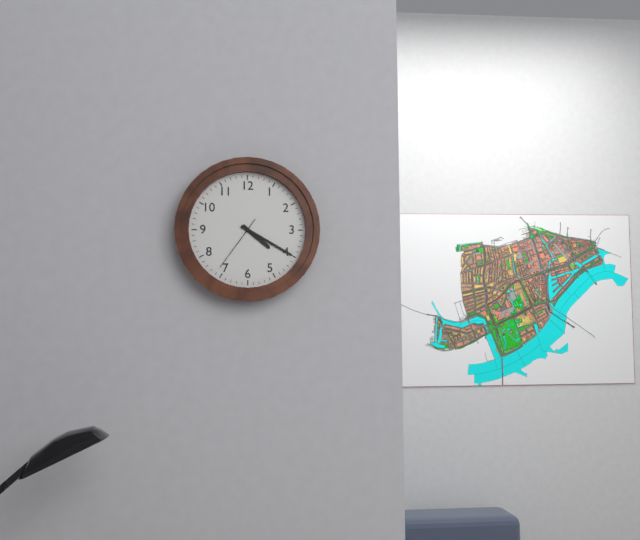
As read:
**4:20:36**
